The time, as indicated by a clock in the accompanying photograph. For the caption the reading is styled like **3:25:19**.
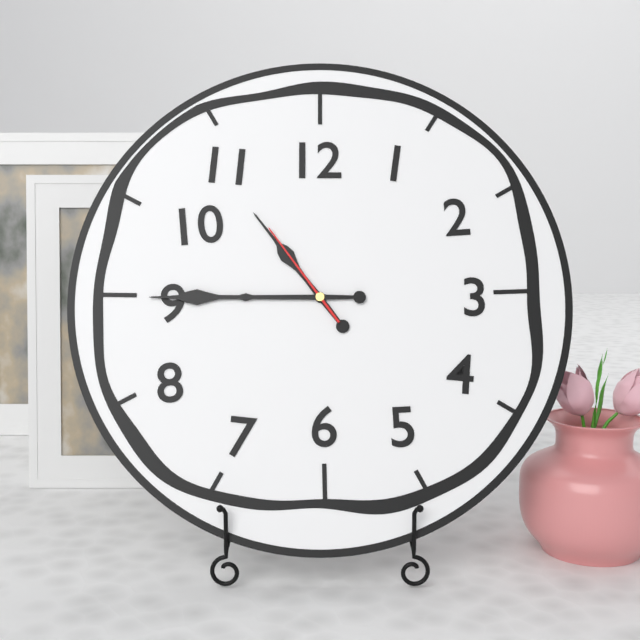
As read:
**10:45:54**
